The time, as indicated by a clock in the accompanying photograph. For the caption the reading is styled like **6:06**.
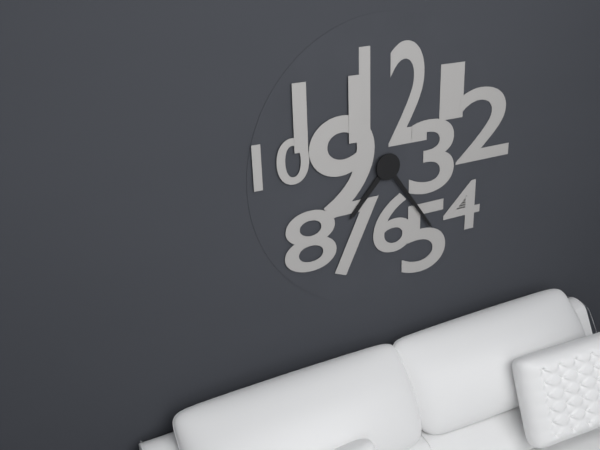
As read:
**7:24**
